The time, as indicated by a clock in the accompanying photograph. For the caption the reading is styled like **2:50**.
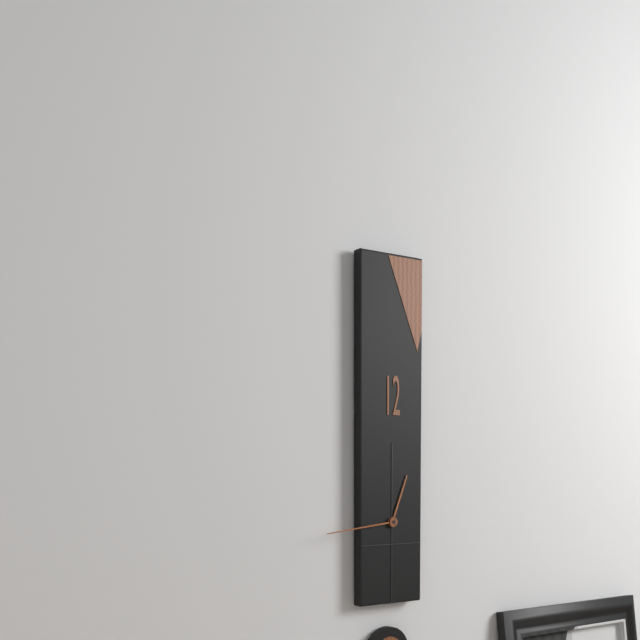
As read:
**12:44**
